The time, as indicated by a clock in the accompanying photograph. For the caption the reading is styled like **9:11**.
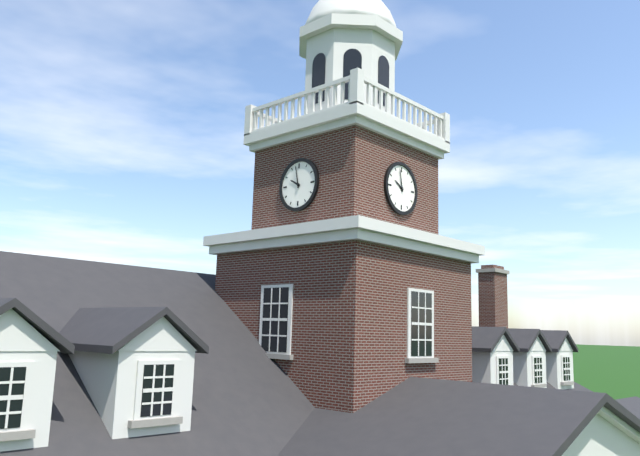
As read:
**9:58**
